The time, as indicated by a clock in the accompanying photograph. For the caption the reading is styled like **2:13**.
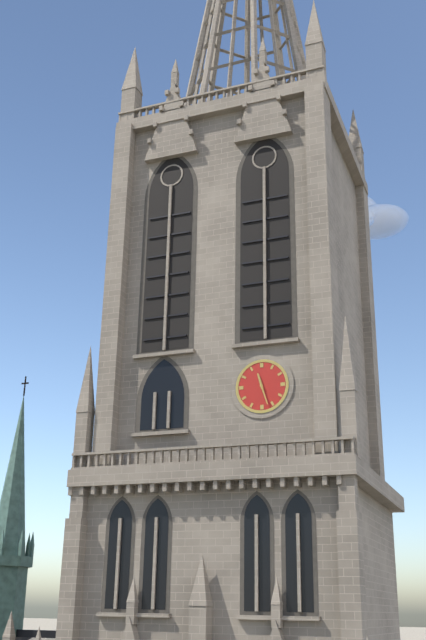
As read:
**11:27**
